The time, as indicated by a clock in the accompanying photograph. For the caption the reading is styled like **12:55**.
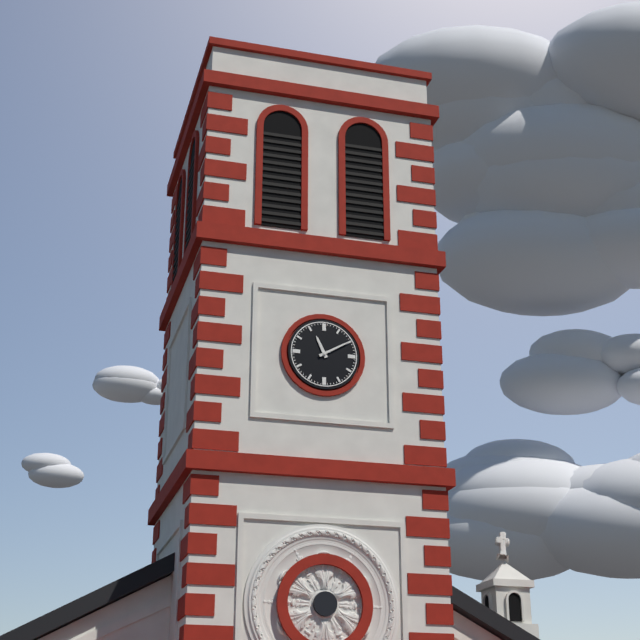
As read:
**11:10**
